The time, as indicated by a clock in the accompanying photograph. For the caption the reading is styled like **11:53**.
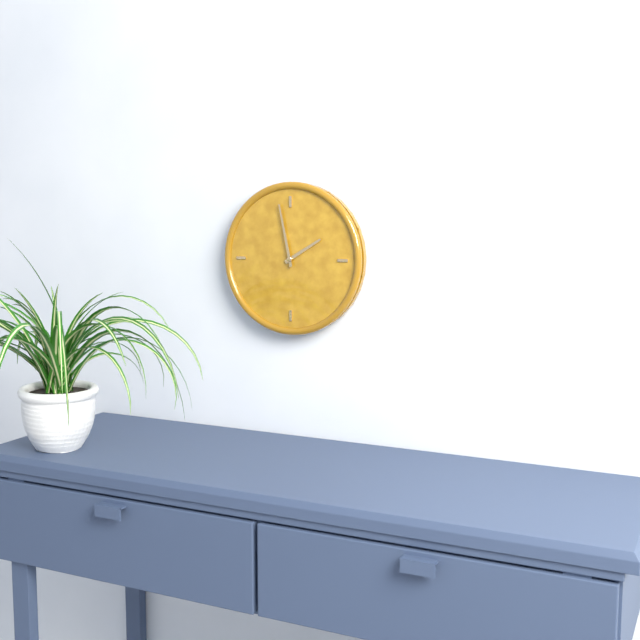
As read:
**1:58**
